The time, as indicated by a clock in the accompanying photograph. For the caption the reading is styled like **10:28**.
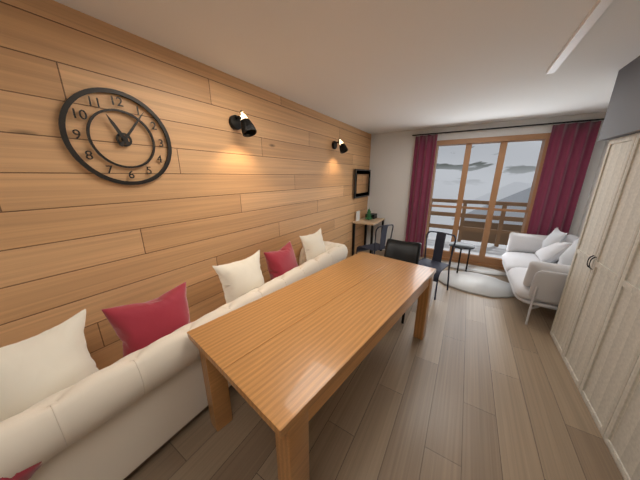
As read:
**11:06**
